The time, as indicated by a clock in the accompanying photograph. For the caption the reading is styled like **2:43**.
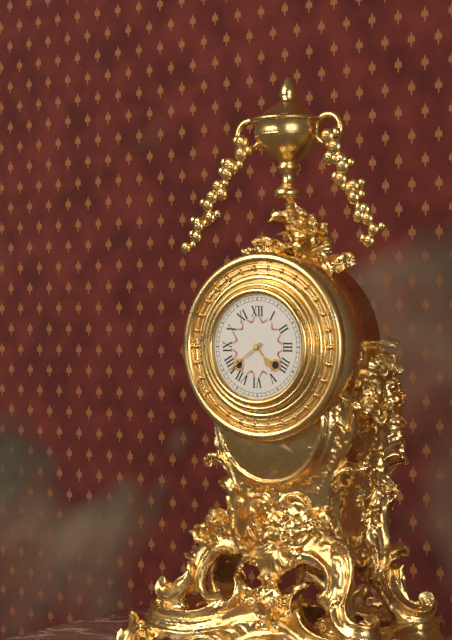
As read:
**4:39**
